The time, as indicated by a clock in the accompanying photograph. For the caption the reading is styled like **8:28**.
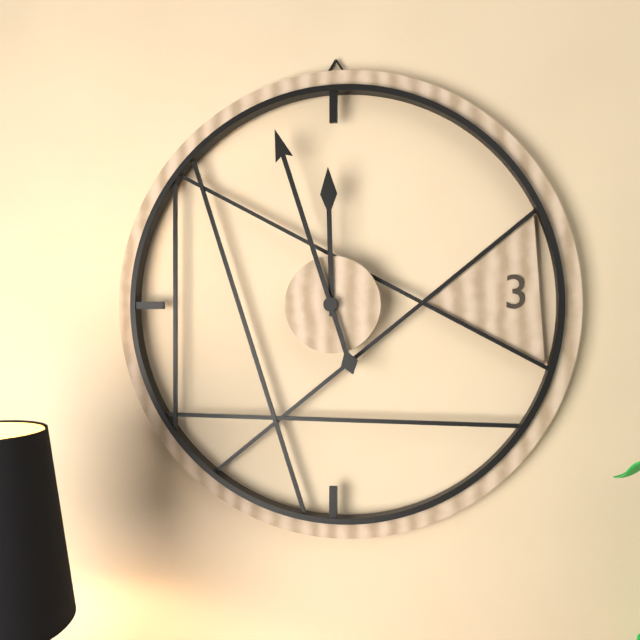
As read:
**11:57**
